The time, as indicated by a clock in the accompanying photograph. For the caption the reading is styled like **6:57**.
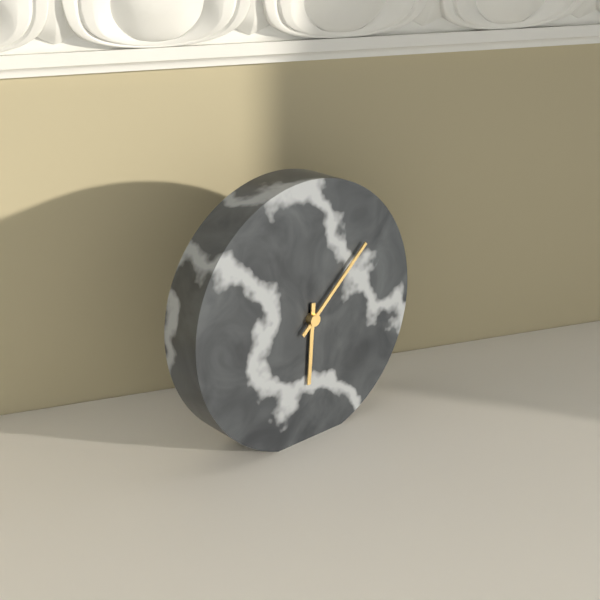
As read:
**6:08**
